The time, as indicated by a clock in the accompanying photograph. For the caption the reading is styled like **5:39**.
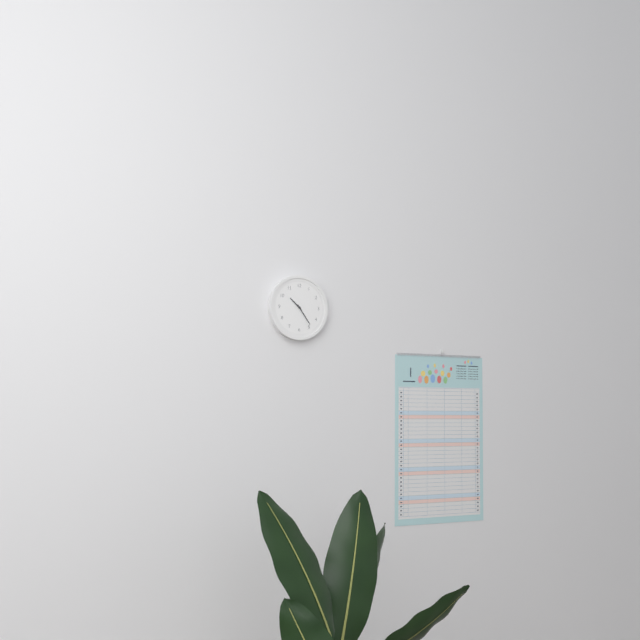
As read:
**10:24**
